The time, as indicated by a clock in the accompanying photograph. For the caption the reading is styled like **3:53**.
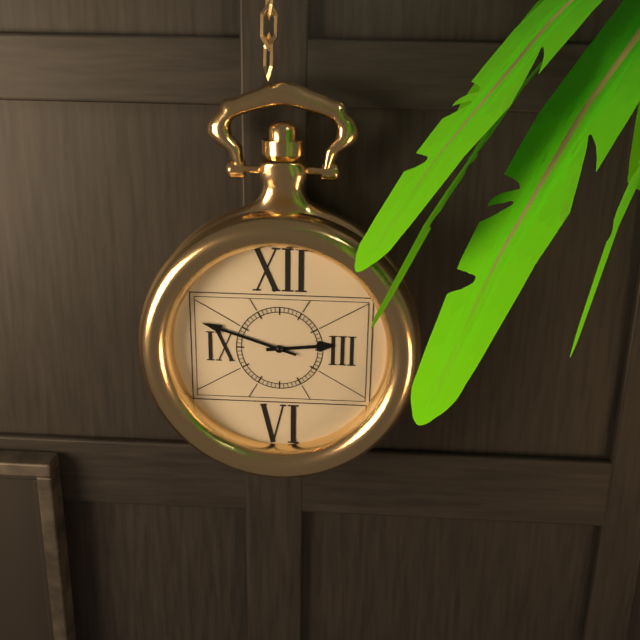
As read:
**2:48**
